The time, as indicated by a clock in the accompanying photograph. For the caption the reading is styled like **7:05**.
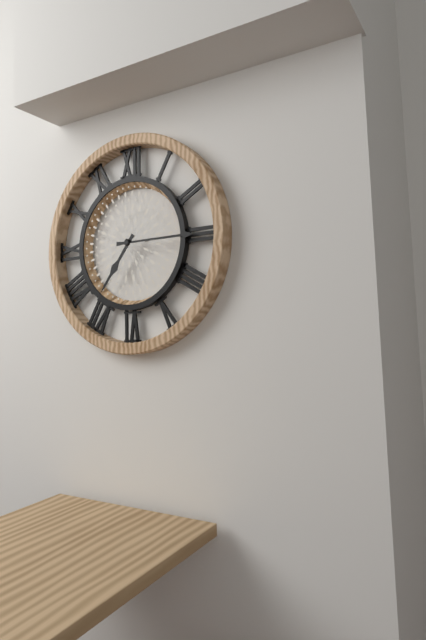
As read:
**7:15**
